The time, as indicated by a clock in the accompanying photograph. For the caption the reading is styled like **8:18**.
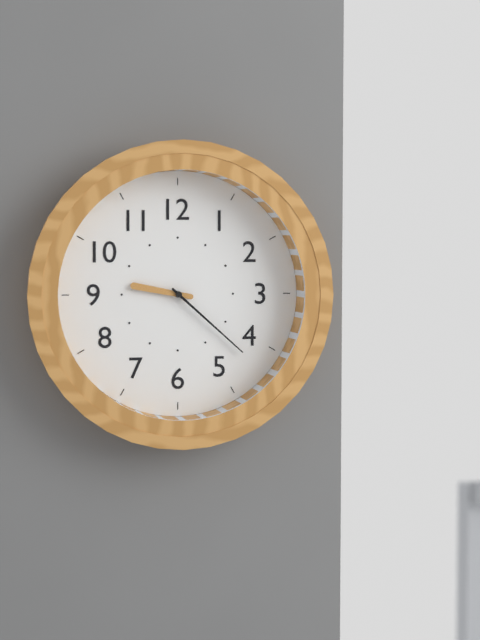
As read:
**9:22**
